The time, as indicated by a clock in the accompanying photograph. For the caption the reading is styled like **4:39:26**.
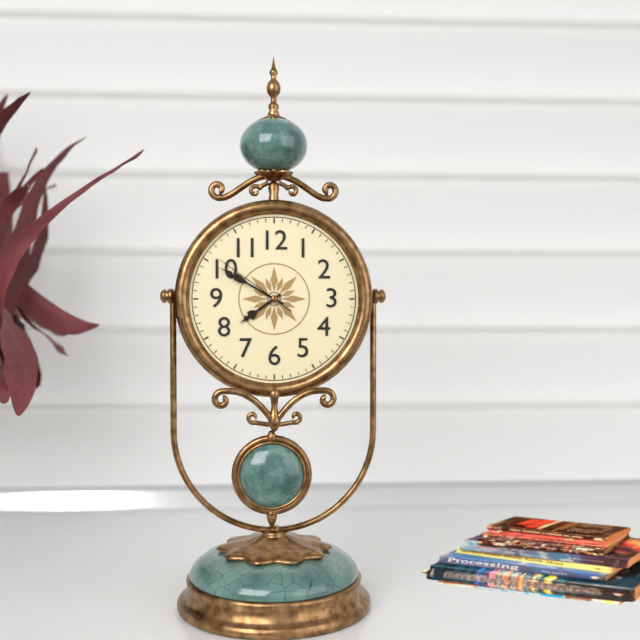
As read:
**7:50:51**
